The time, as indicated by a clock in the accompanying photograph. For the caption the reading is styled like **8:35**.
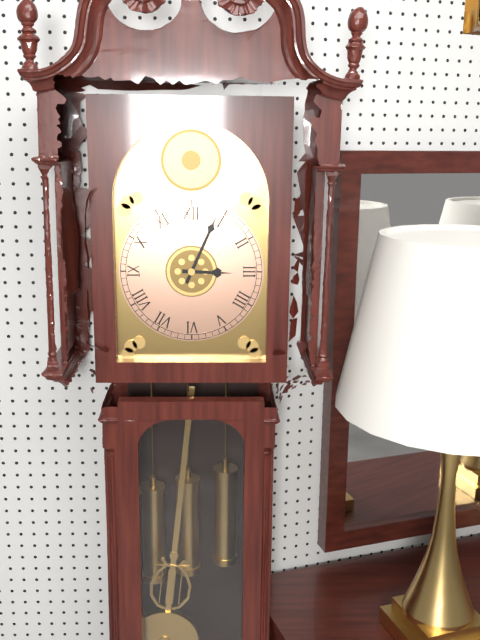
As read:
**3:04**
